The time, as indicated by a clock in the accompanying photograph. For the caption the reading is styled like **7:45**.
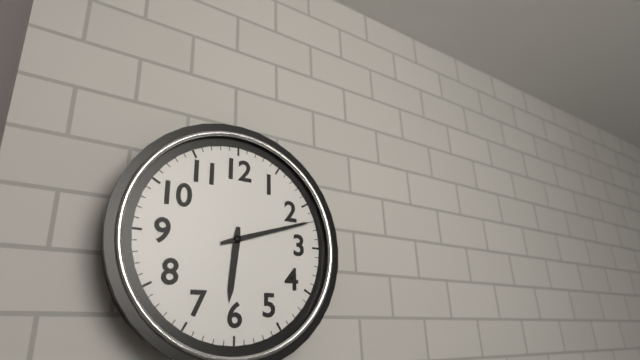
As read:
**6:12**
